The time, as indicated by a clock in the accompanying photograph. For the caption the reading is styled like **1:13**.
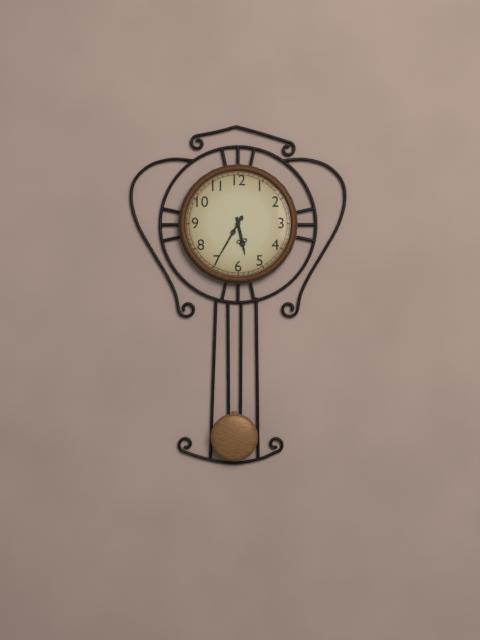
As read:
**5:35**
